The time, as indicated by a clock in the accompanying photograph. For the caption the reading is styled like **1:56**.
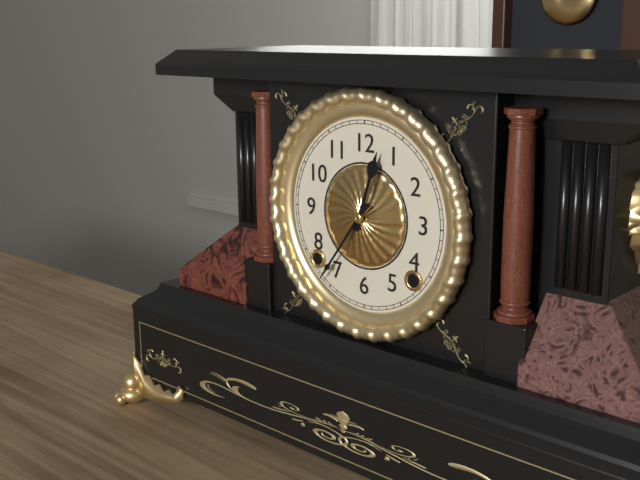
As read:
**12:36**
